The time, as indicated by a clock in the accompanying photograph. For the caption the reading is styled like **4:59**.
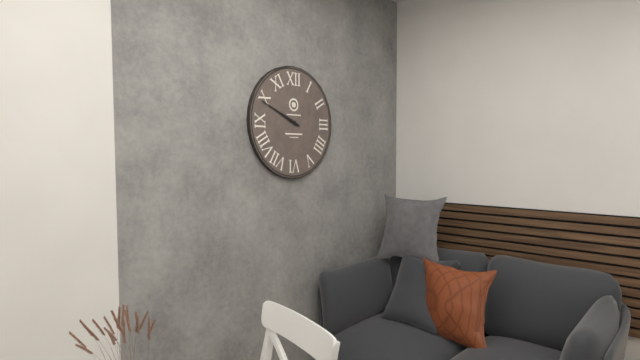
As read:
**9:49**
